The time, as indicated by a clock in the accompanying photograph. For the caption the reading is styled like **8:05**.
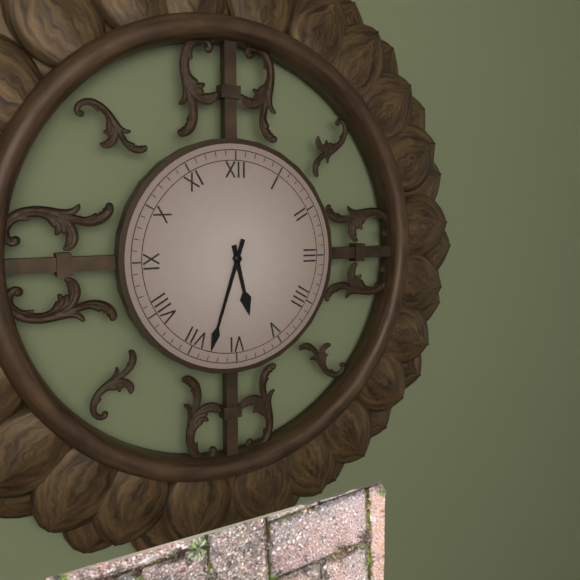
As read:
**5:33**
